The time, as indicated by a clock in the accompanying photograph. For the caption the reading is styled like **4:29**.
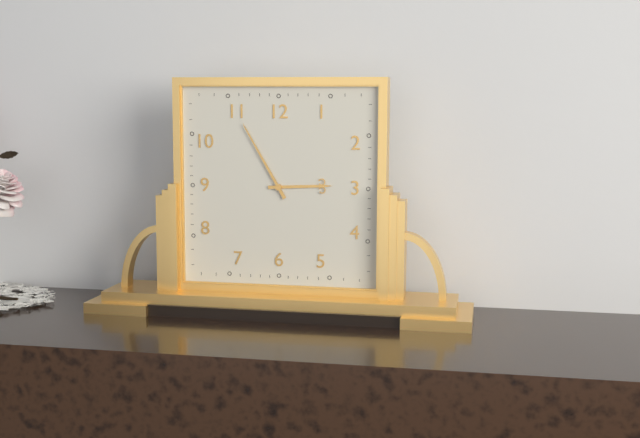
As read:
**2:55**
